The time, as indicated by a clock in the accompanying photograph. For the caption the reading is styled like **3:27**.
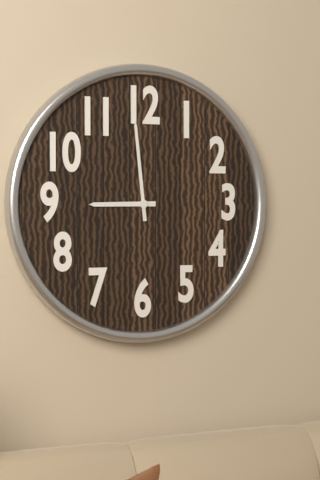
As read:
**8:59**
